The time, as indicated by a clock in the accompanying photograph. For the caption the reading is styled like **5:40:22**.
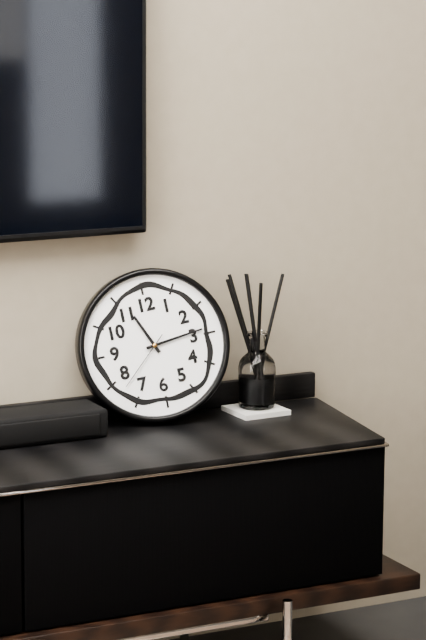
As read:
**11:14:38**
